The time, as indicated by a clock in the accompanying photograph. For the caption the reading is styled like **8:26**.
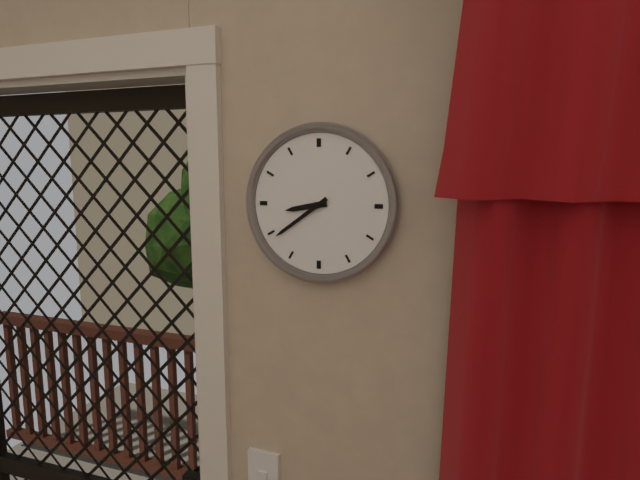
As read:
**8:39**
